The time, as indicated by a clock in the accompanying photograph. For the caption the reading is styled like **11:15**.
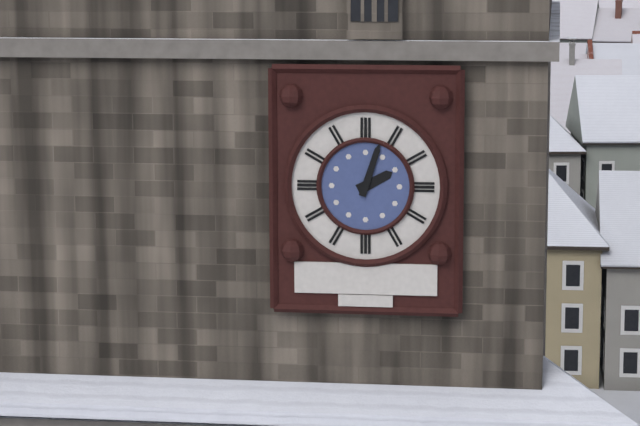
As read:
**2:03**
